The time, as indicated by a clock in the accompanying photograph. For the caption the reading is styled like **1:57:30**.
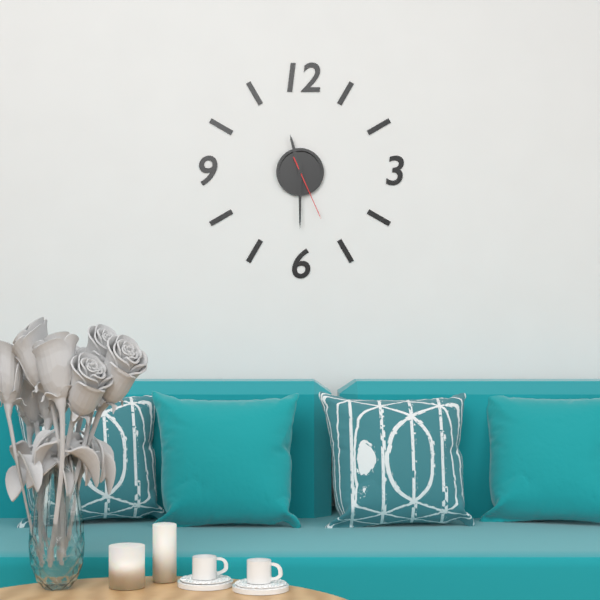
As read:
**11:30:26**
